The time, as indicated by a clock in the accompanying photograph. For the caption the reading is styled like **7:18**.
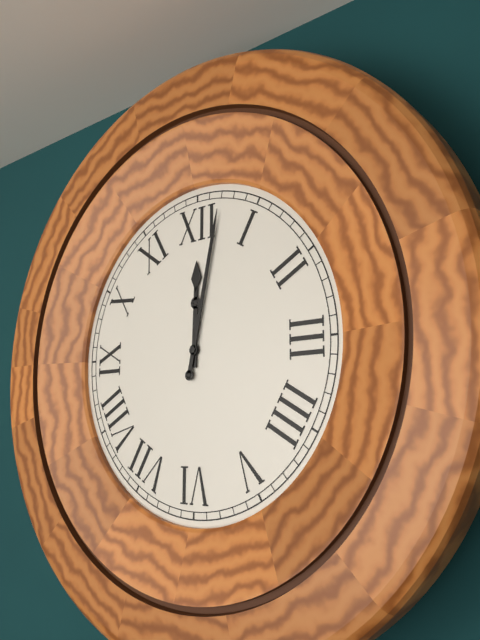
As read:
**12:02**
